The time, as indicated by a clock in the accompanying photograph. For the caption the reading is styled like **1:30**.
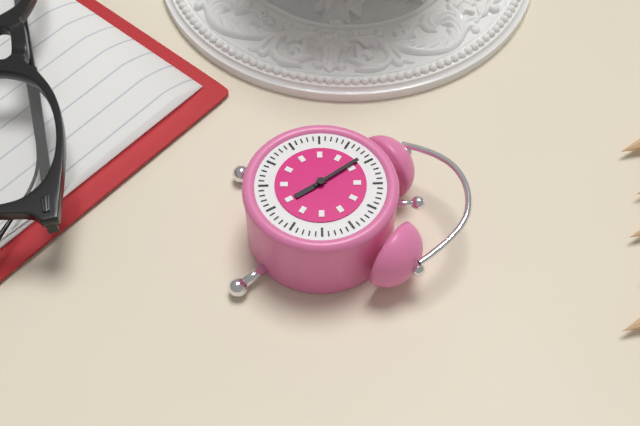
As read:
**4:54**
